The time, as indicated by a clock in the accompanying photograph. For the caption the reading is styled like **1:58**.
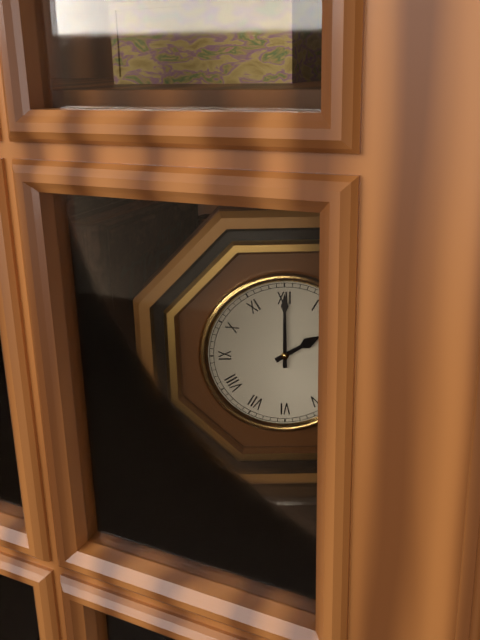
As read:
**2:00**
